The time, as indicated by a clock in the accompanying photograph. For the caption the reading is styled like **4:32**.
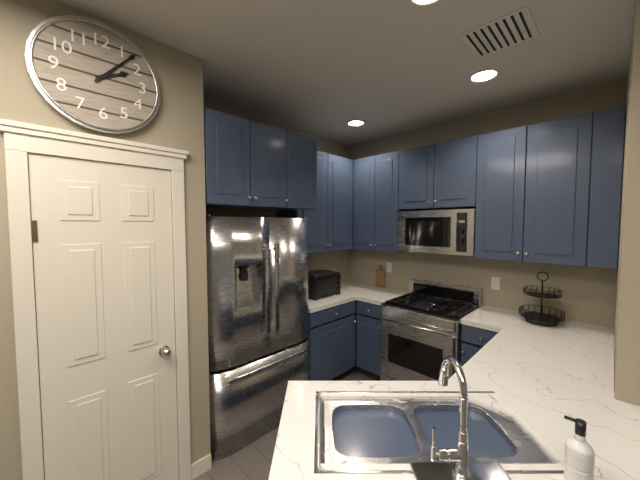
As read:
**2:07**
